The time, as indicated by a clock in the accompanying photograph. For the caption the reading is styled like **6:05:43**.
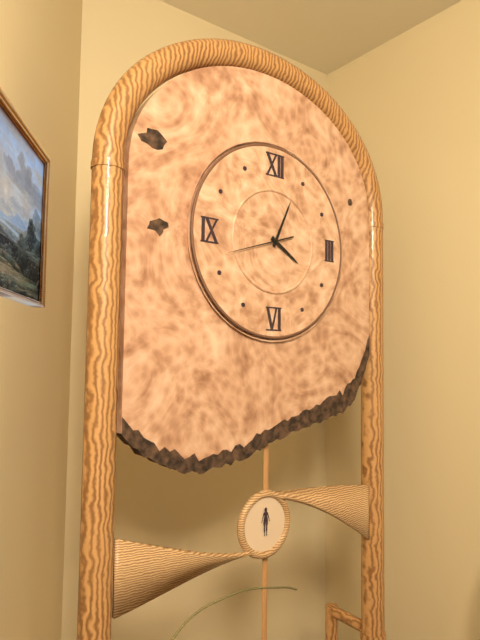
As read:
**4:04:42**
